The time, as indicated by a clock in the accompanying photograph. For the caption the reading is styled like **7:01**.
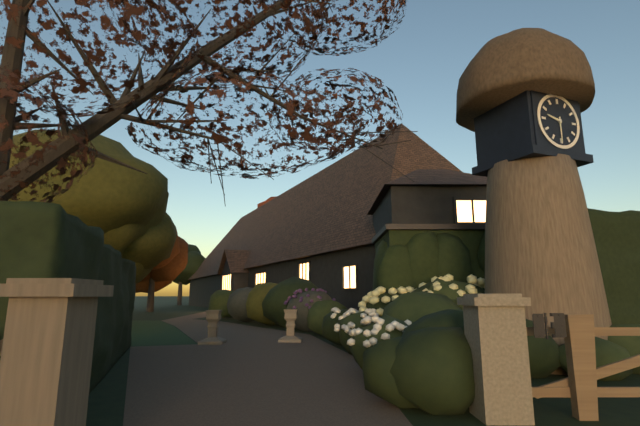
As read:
**9:30**
